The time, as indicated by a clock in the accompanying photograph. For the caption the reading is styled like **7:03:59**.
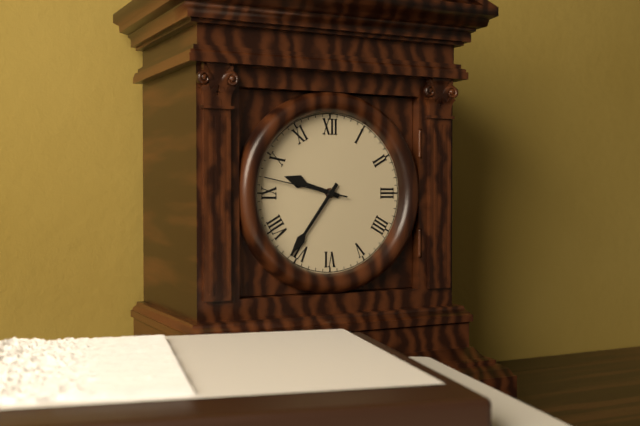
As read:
**9:36:47**
